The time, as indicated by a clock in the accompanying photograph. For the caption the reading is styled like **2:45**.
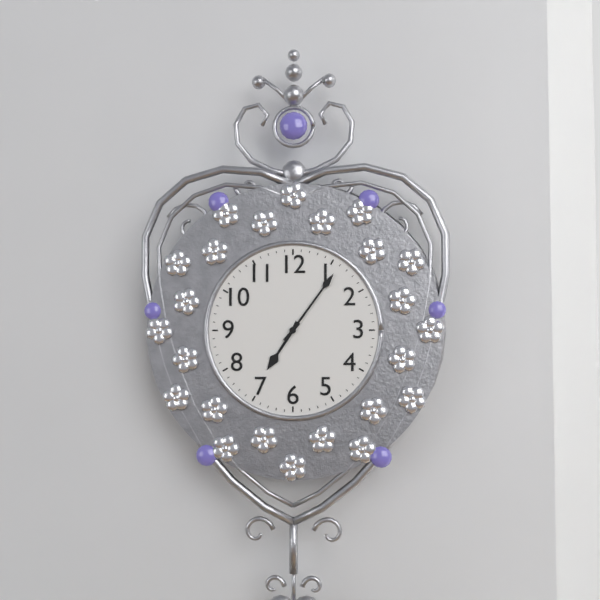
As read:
**7:06**
